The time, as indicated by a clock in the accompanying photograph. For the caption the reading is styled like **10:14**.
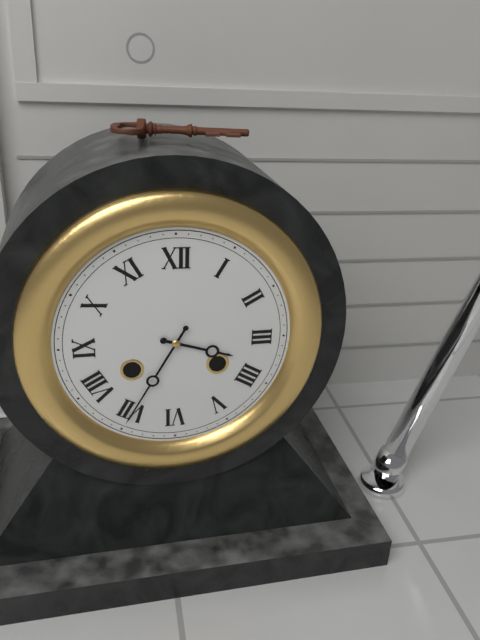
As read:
**3:35**
